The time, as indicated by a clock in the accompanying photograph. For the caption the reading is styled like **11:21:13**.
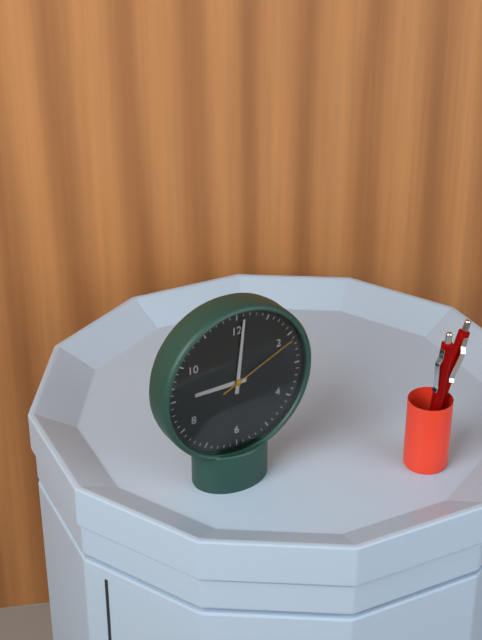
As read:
**9:01:11**
